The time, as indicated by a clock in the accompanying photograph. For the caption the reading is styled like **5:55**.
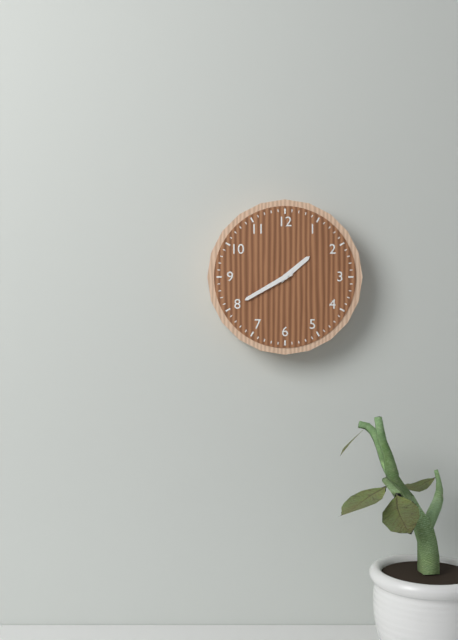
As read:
**1:40**
